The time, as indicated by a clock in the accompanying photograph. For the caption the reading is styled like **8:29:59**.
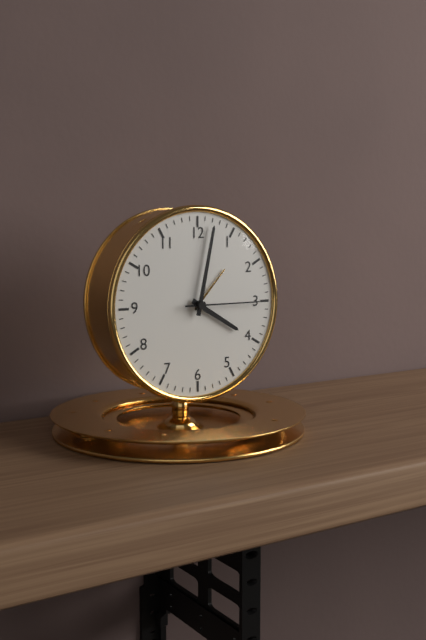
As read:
**4:02:15**
